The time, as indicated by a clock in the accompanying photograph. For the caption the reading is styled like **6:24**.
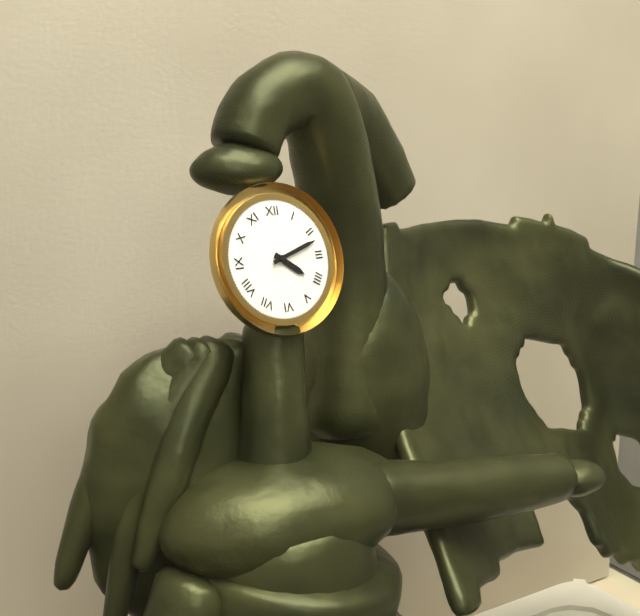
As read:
**4:12**
